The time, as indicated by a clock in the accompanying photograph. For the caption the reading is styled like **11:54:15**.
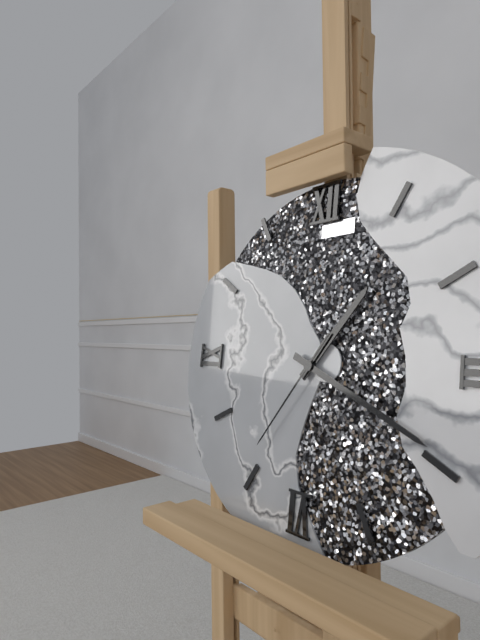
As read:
**1:19:36**
